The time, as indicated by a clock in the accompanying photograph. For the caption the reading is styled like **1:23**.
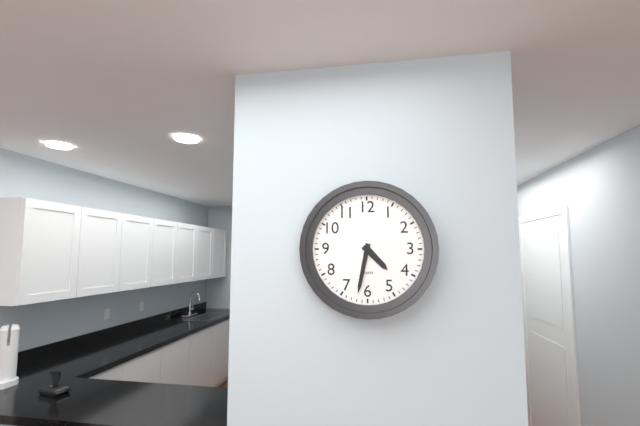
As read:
**4:32**
